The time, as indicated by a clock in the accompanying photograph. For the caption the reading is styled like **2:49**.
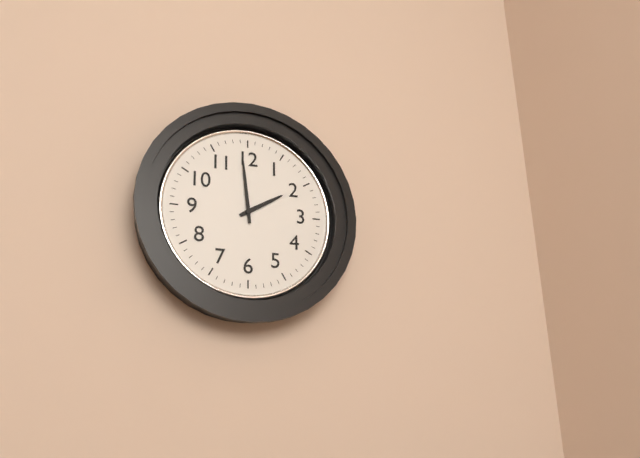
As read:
**1:59**
